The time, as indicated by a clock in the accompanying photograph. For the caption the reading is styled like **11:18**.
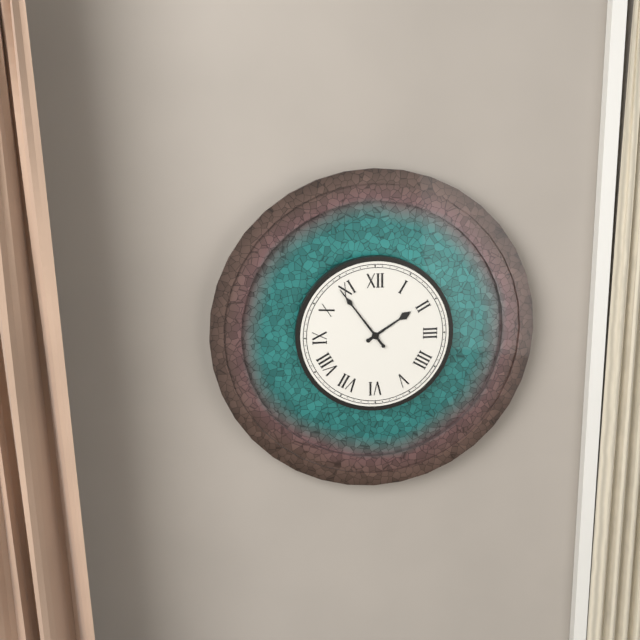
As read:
**1:54**
